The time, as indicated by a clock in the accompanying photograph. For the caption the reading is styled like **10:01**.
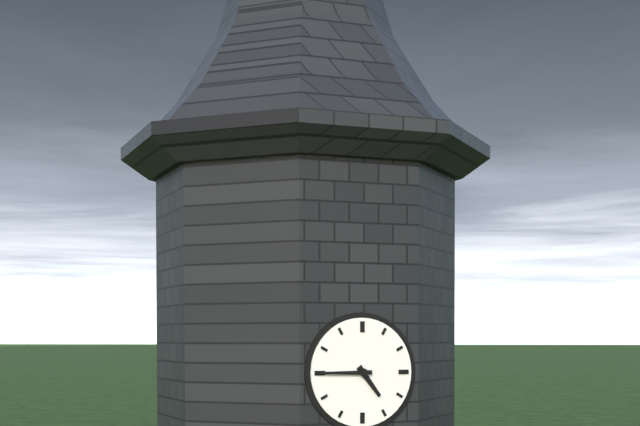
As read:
**4:45**
